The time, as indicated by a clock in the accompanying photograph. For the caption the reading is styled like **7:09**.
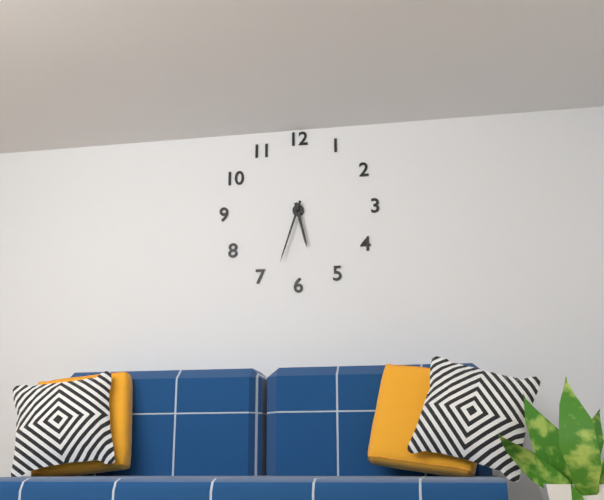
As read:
**5:33**
